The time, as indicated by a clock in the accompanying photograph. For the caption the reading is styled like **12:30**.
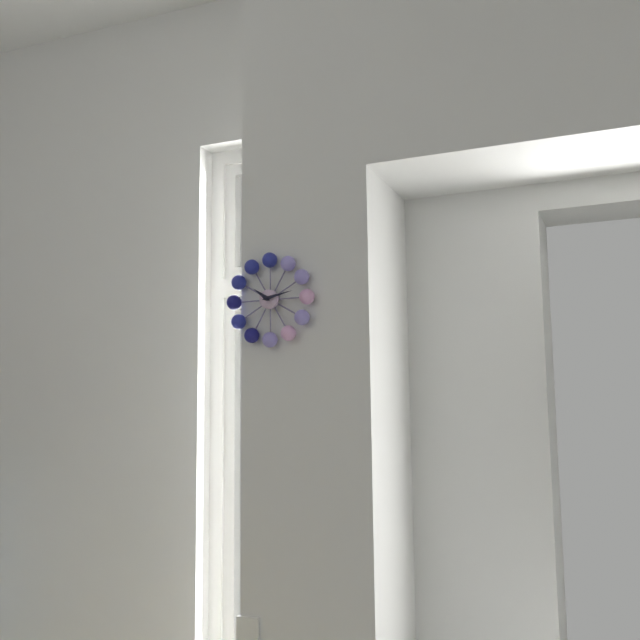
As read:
**10:13**
